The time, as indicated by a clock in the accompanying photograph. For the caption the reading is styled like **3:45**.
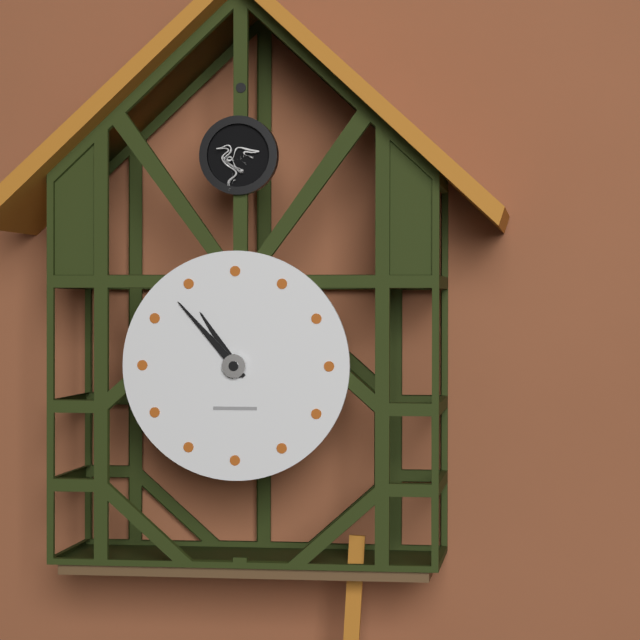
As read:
**10:53**
